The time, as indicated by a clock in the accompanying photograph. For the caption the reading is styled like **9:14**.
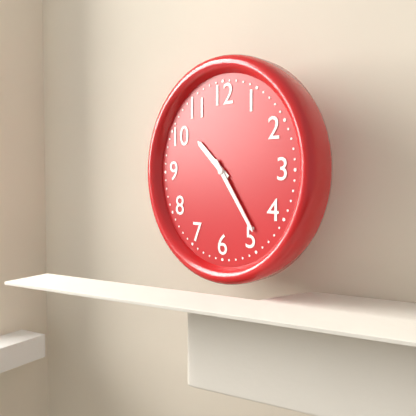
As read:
**10:24**
